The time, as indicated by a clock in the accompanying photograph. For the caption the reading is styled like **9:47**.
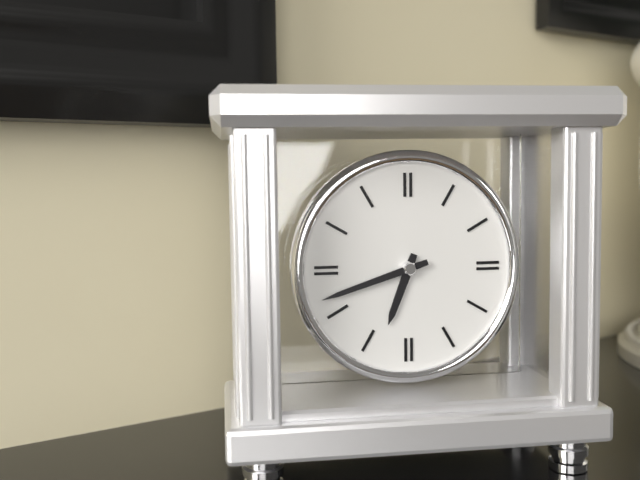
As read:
**6:42**
